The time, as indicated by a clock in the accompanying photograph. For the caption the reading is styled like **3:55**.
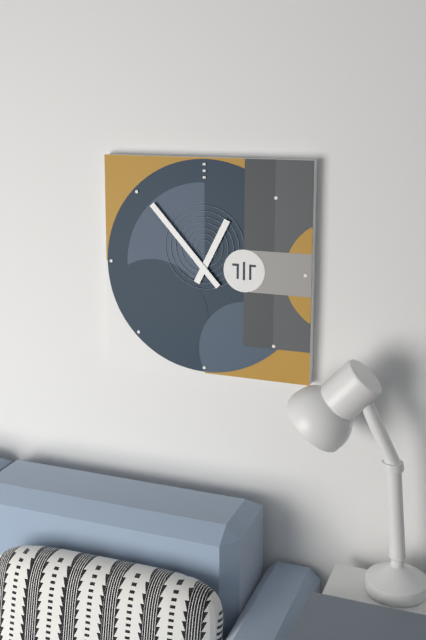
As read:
**12:53**
